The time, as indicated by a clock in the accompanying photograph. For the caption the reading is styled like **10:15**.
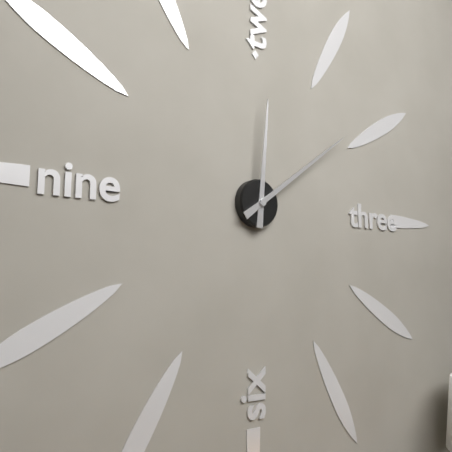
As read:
**12:09**
